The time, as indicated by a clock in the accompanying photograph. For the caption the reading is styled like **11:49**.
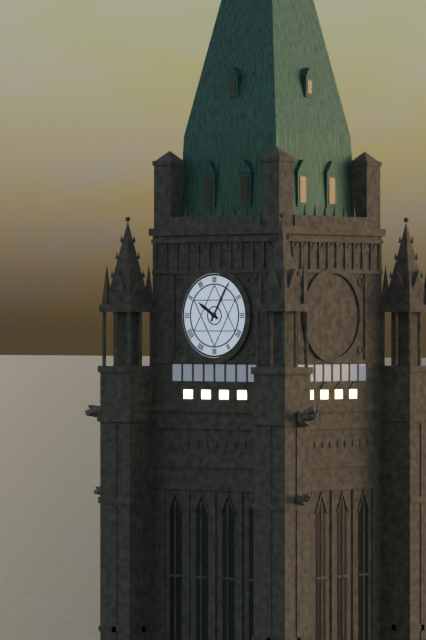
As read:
**10:05**
